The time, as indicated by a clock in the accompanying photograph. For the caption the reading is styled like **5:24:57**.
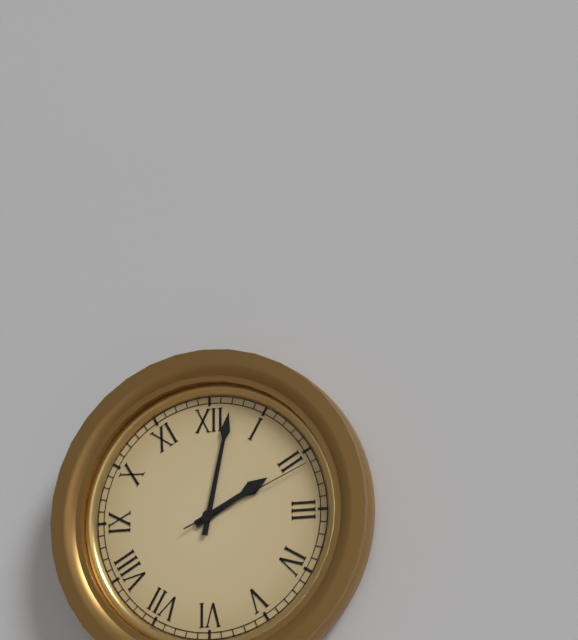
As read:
**2:02:11**
